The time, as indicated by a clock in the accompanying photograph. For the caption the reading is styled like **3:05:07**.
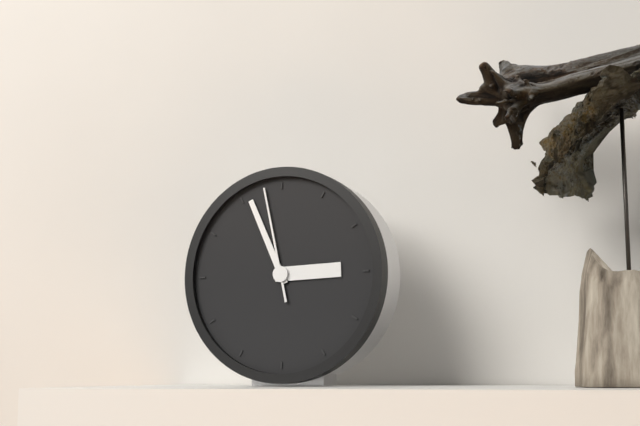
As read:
**2:56:58**
